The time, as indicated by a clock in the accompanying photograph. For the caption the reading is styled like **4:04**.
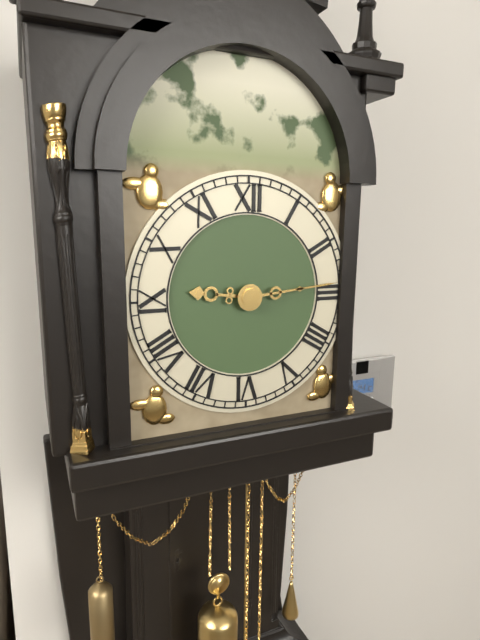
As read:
**9:14**
